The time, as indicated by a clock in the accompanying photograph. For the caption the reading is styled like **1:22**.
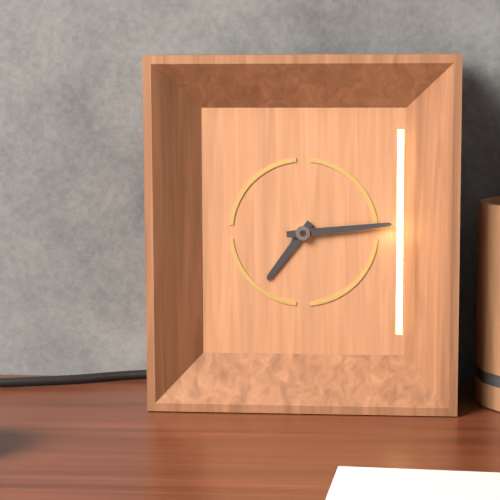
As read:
**7:14**
